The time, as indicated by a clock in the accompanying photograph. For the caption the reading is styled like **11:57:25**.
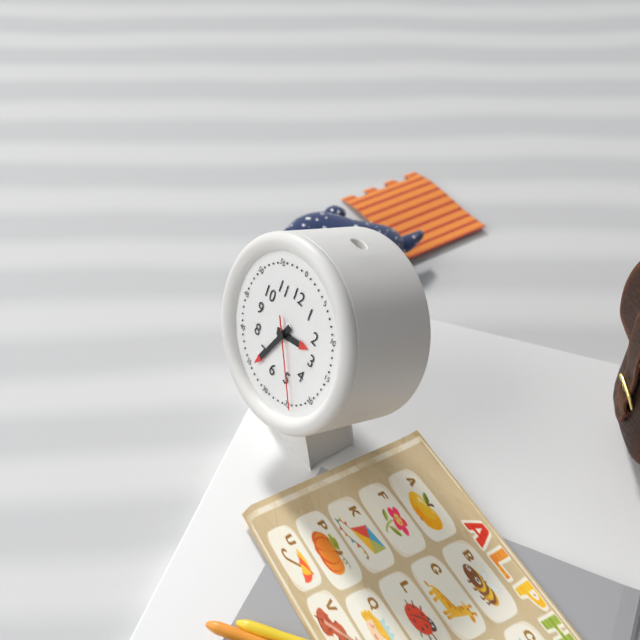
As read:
**2:34:24**
